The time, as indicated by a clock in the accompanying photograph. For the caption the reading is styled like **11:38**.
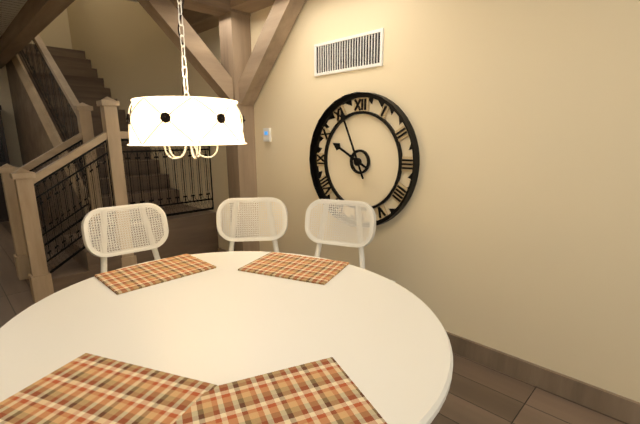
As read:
**9:56**
